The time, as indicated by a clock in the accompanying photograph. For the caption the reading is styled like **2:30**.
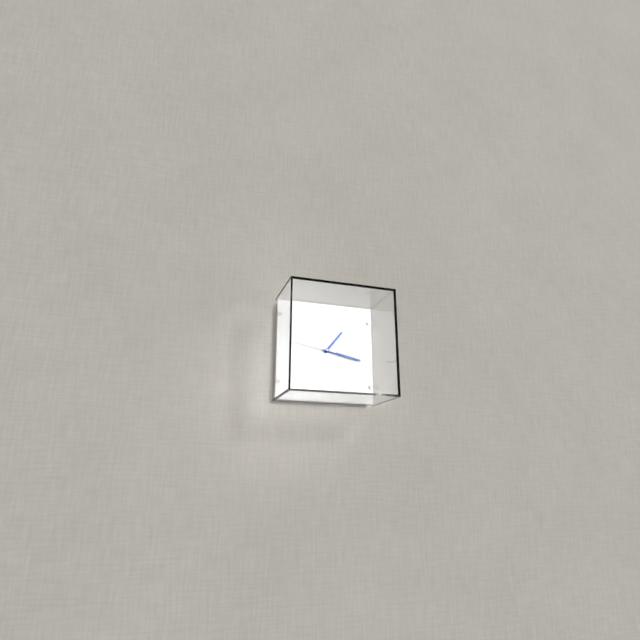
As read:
**1:17**
